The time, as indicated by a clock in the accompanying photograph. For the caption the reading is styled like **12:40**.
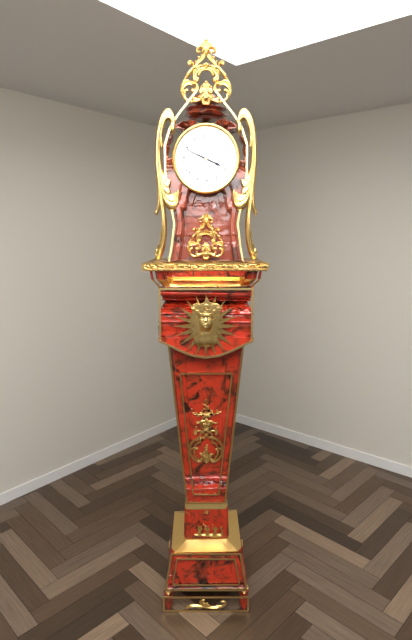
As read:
**3:49**
